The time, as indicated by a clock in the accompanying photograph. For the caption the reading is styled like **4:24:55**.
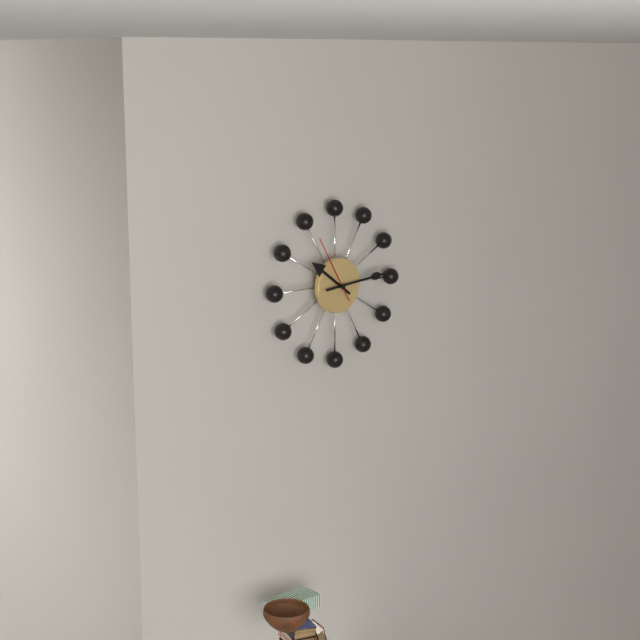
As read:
**10:14:55**
